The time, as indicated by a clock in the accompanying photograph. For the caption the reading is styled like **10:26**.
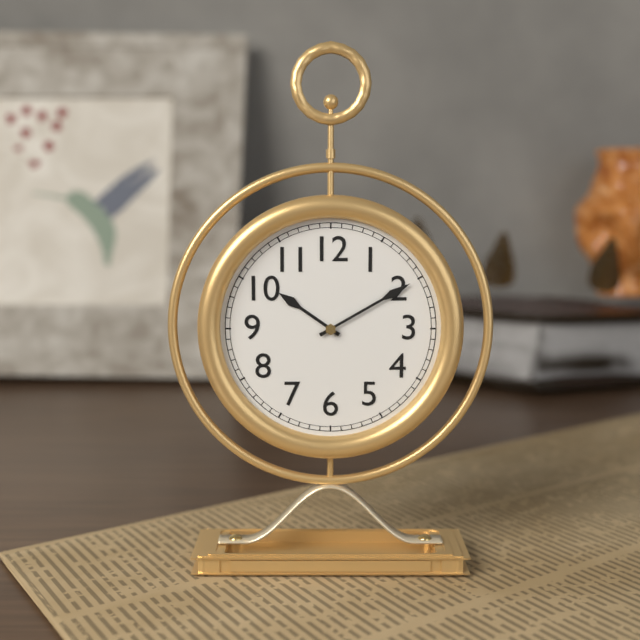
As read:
**10:10**
